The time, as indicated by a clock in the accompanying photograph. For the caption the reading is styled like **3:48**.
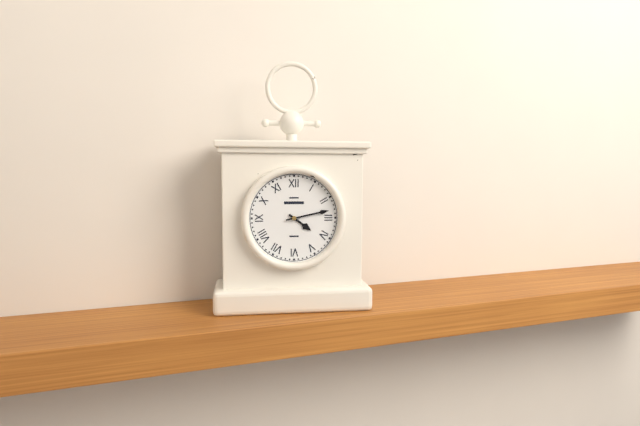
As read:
**4:13**
